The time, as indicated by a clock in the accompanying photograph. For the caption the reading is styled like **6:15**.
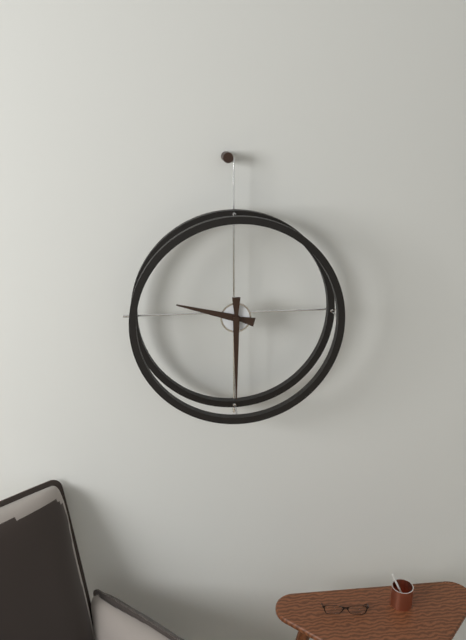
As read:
**9:30**
